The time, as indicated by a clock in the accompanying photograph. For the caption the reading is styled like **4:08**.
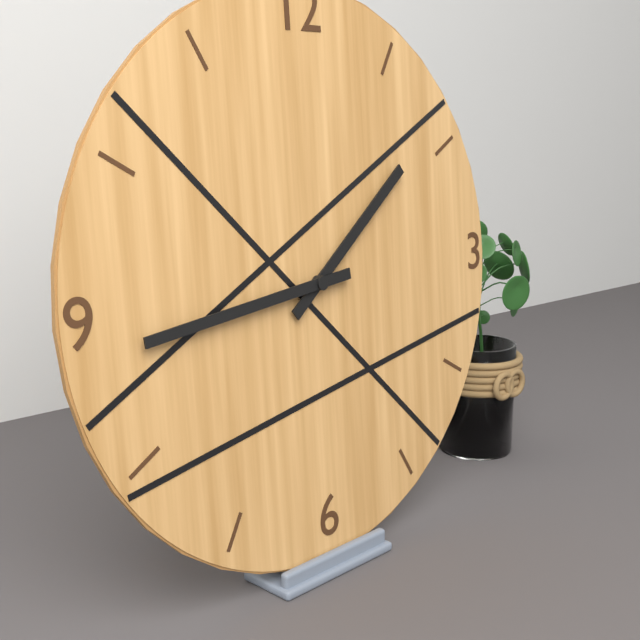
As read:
**1:44**
